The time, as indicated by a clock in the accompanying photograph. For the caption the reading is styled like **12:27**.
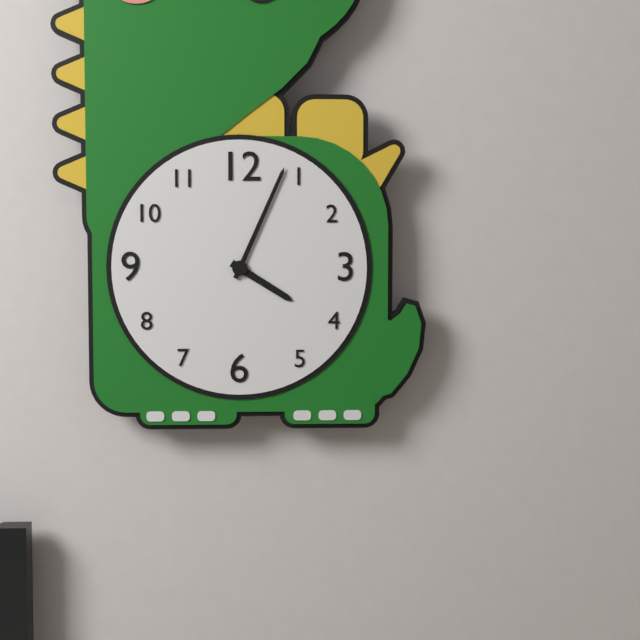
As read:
**4:04**
